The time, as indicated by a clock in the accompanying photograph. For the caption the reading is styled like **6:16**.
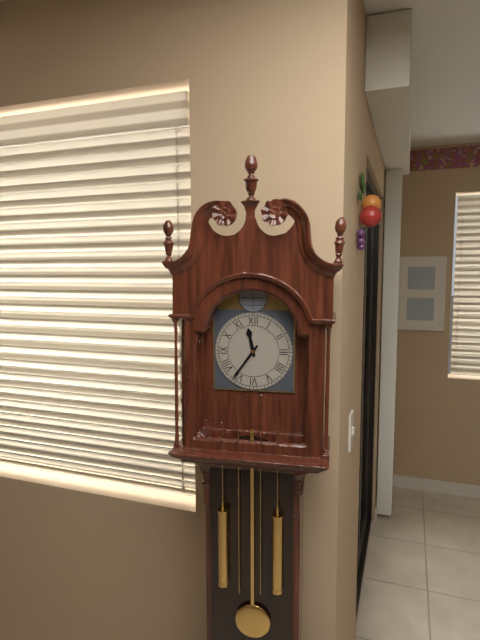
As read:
**11:36**
